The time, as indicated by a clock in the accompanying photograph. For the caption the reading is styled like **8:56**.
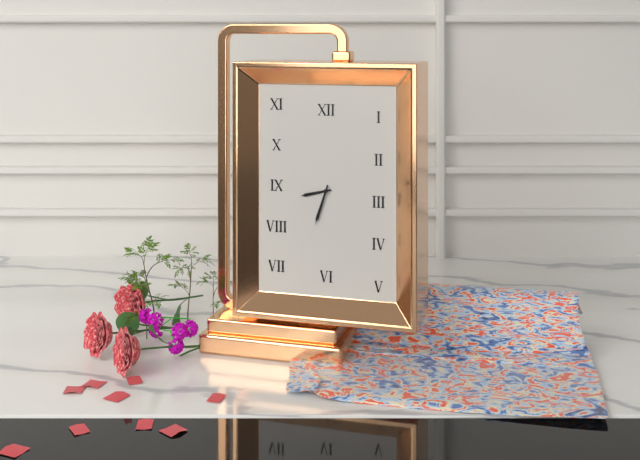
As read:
**8:33**
